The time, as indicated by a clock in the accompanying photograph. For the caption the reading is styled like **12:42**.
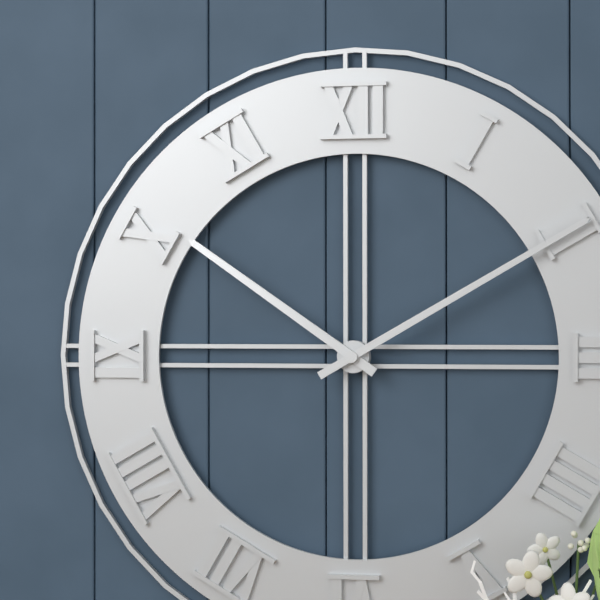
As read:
**10:10**
